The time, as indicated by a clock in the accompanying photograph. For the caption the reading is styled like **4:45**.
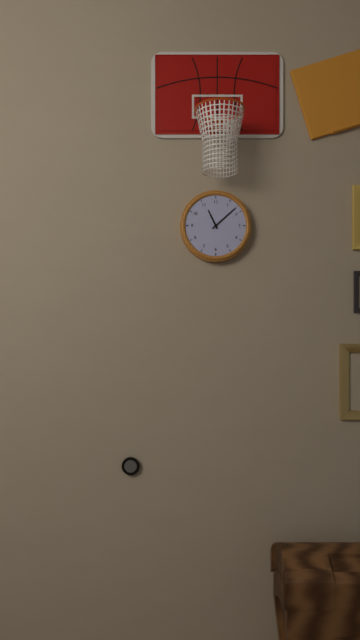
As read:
**11:08**
